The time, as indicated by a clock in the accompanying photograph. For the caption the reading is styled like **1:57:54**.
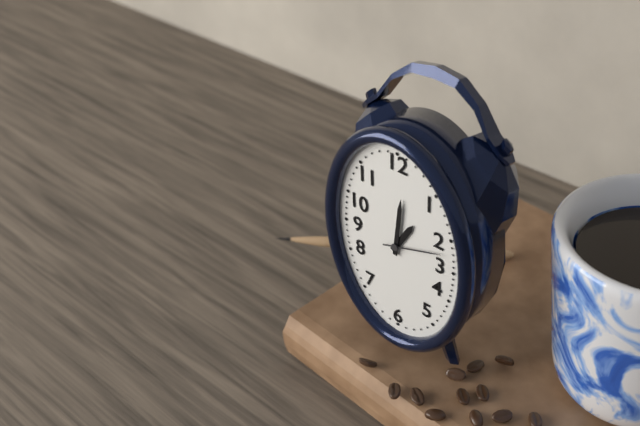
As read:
**1:01:12**
